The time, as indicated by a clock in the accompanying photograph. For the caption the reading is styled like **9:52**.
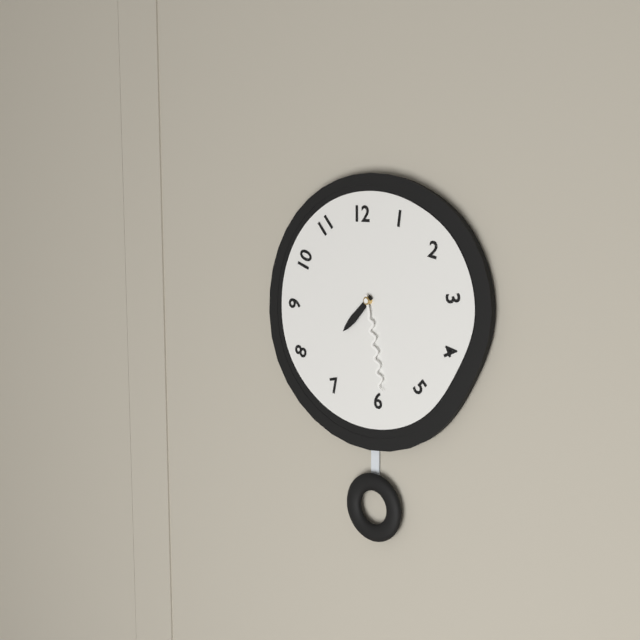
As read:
**7:28**
